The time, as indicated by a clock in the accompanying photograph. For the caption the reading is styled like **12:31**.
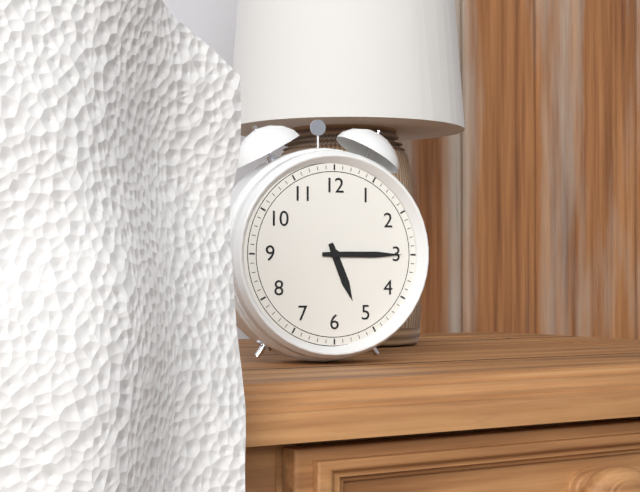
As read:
**5:15**
